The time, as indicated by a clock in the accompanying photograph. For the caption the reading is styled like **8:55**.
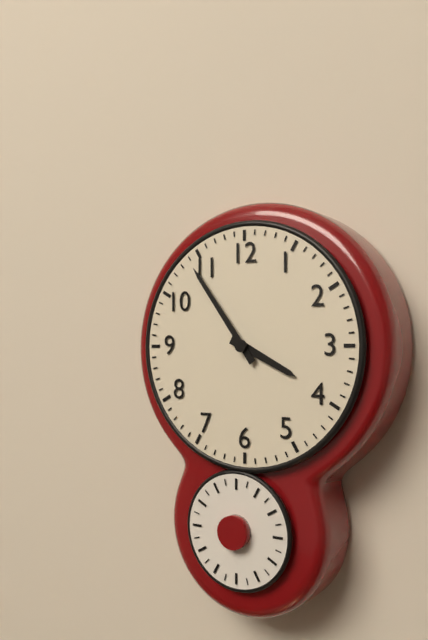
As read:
**3:54**
